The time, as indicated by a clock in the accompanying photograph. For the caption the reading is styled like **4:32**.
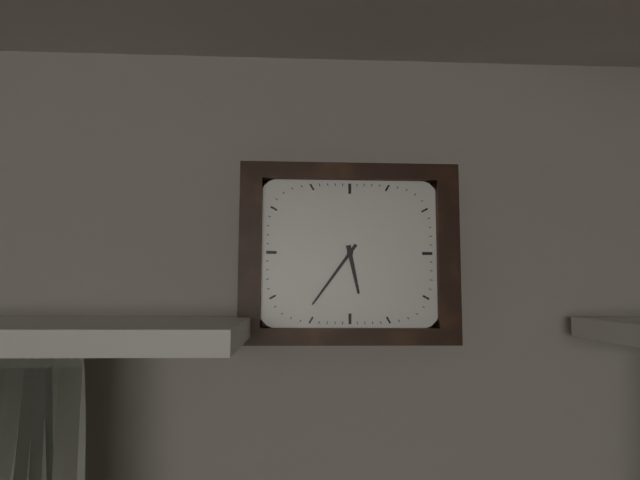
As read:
**5:36**
